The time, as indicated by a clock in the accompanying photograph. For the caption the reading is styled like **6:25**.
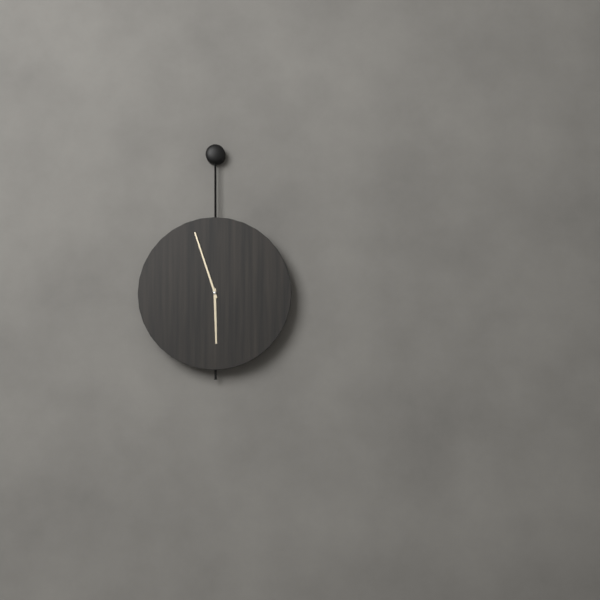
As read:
**5:57**
